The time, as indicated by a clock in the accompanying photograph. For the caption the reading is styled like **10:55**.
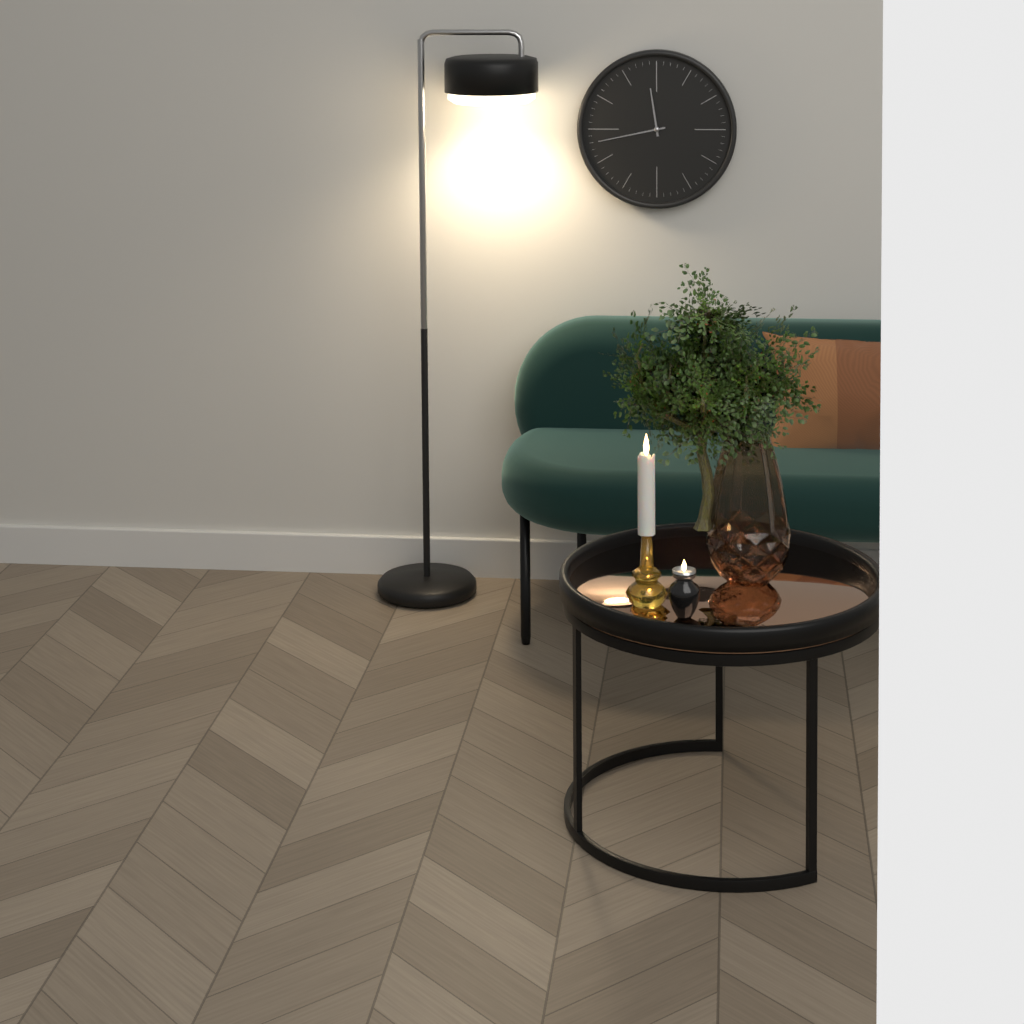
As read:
**11:43**
